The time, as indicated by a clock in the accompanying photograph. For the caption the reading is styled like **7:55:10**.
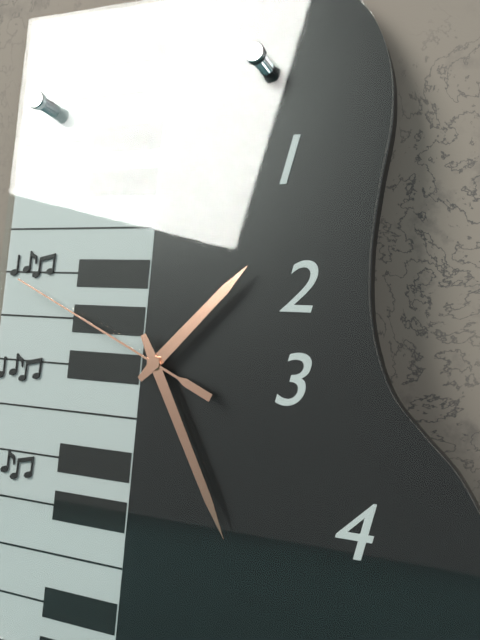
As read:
**1:25:49**
